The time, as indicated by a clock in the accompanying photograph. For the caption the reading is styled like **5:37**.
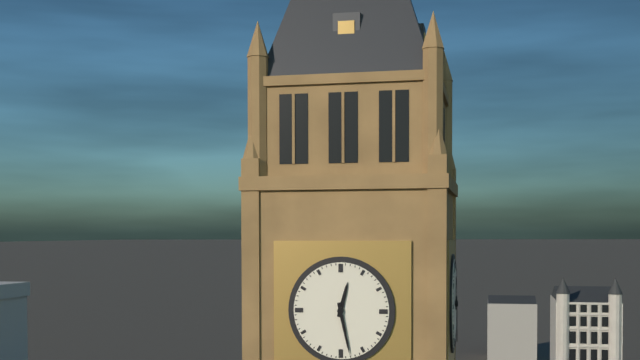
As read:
**12:28**
